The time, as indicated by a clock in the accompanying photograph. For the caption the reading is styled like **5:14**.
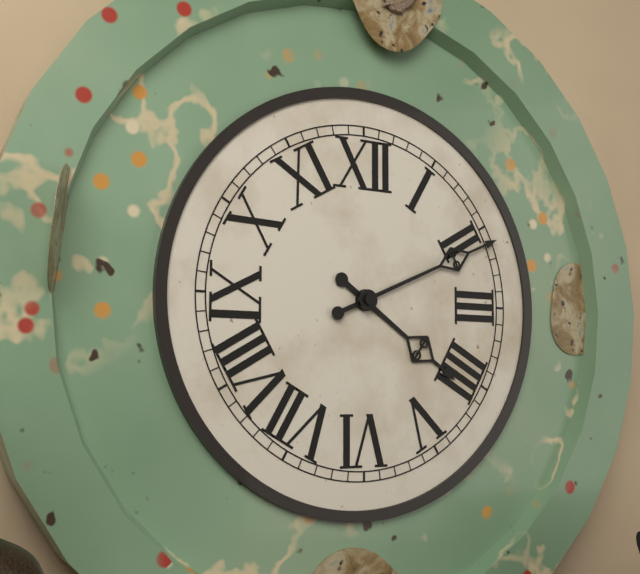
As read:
**4:11**
